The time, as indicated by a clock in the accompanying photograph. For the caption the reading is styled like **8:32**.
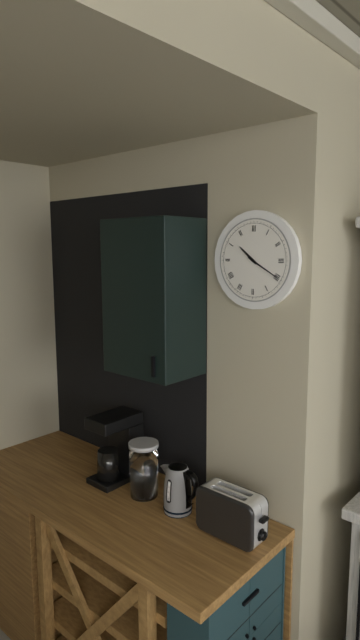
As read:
**10:20**
